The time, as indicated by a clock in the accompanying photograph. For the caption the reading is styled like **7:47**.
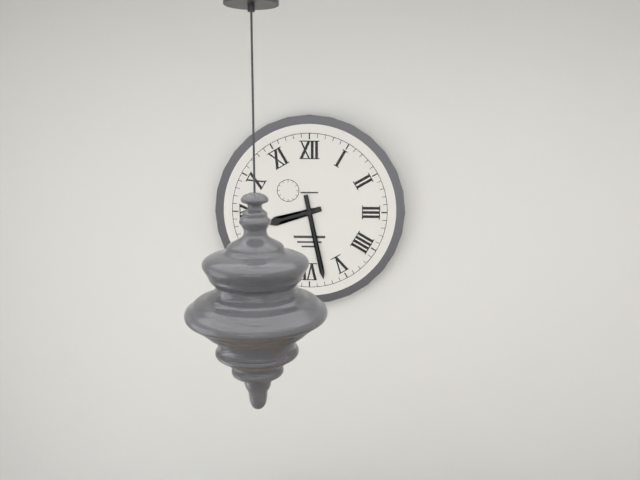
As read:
**8:28**
